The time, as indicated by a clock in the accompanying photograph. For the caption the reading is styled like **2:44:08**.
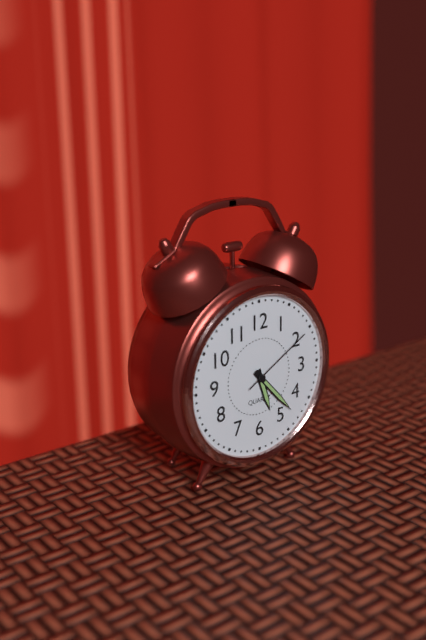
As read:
**5:23:10**
